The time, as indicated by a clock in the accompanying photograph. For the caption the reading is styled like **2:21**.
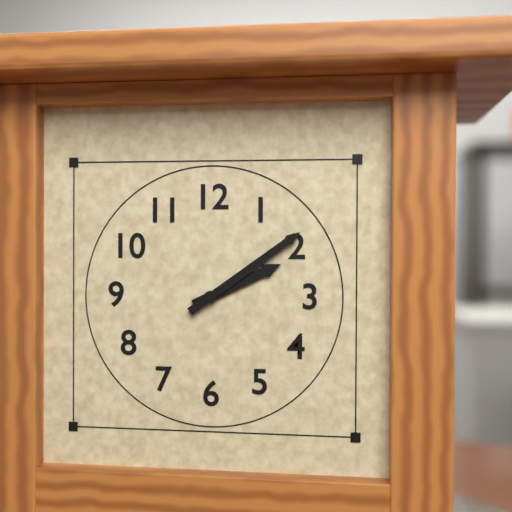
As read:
**2:09**
